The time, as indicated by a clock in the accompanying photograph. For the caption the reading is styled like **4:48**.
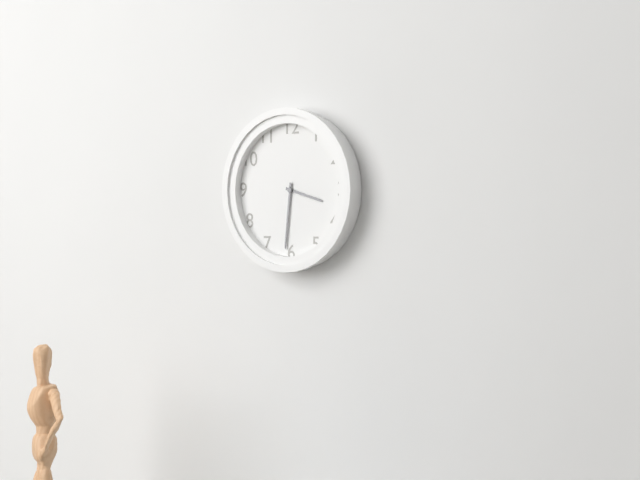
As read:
**3:31**
